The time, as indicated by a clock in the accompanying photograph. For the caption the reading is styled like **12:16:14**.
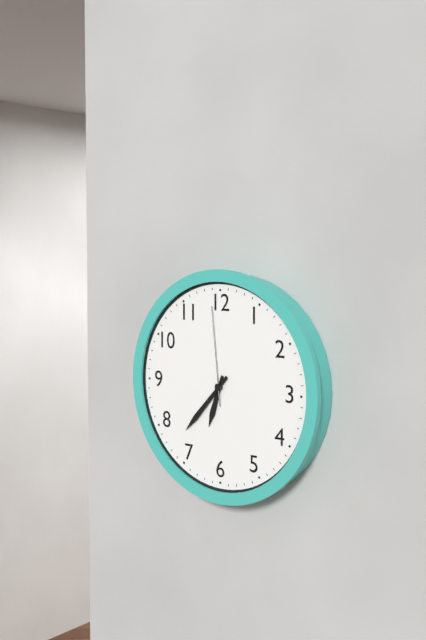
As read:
**6:37:59**
